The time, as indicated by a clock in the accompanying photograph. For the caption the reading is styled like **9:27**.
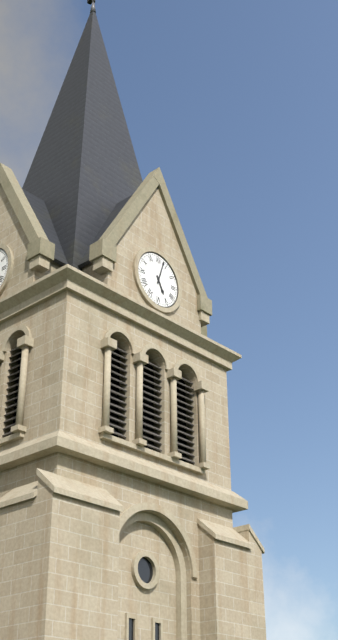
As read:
**5:03**
